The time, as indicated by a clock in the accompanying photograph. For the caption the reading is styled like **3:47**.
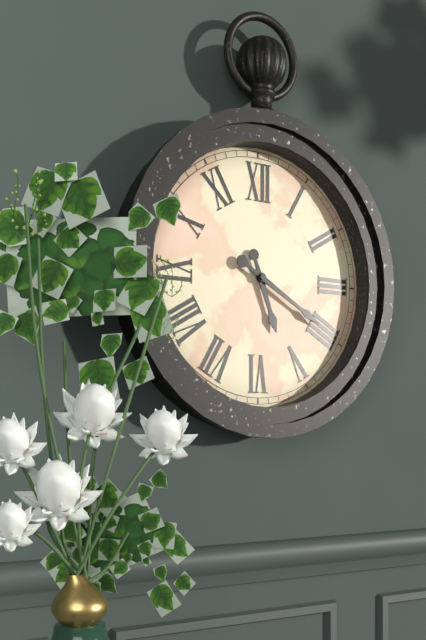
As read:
**5:20**
